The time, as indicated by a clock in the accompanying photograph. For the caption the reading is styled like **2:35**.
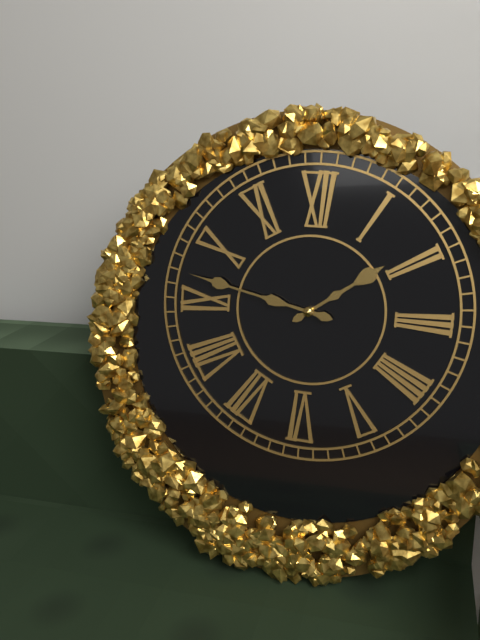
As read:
**1:47**
